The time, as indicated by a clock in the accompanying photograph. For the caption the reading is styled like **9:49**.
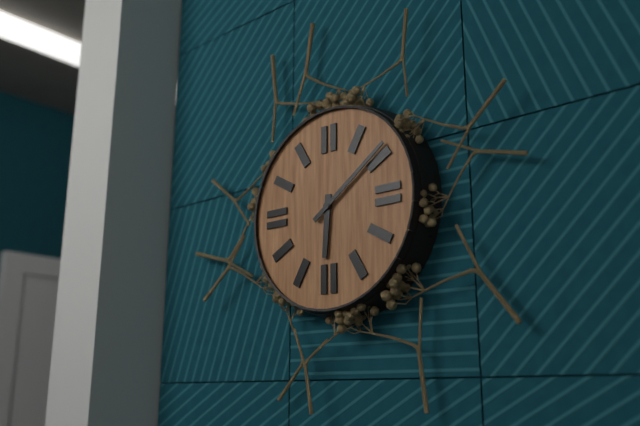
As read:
**6:09**
